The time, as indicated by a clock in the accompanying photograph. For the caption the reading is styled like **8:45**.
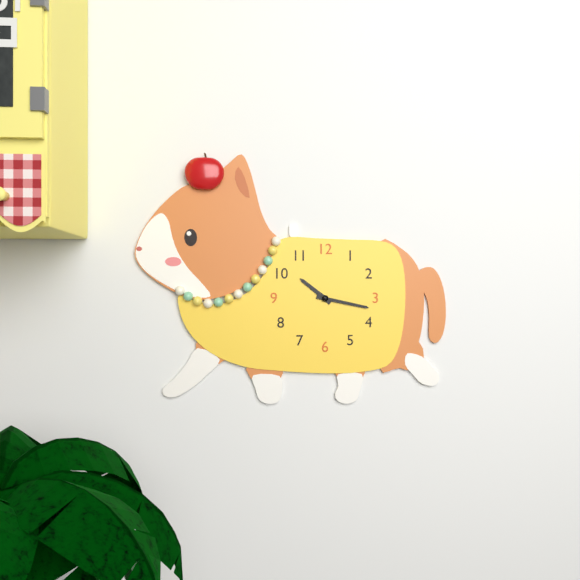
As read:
**10:17**
